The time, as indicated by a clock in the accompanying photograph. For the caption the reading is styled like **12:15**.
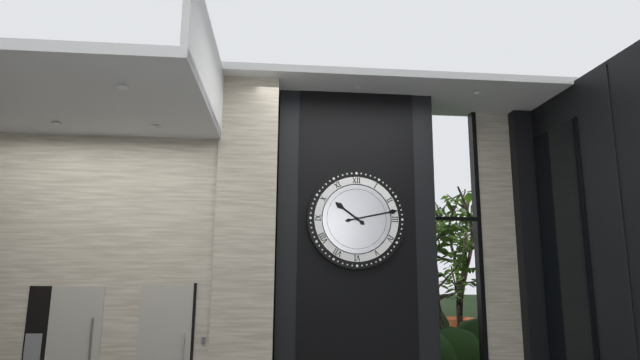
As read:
**10:13**
